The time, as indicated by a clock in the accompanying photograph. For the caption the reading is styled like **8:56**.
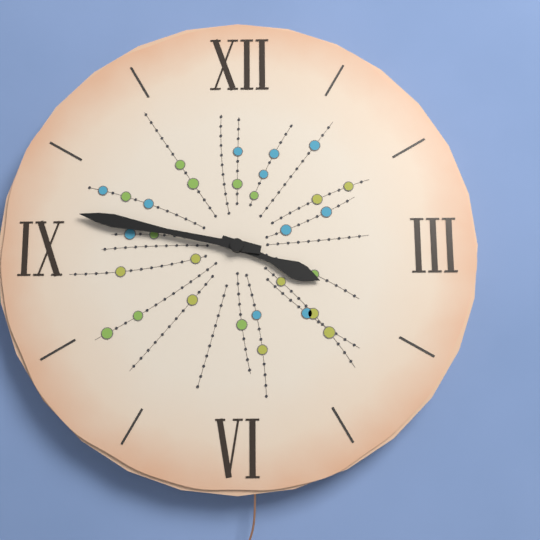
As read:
**3:47**
